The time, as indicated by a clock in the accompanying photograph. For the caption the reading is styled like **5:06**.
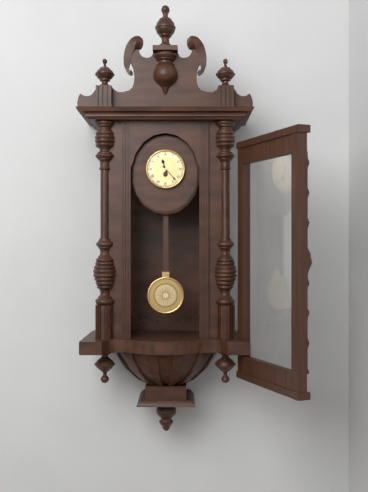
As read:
**11:23**
